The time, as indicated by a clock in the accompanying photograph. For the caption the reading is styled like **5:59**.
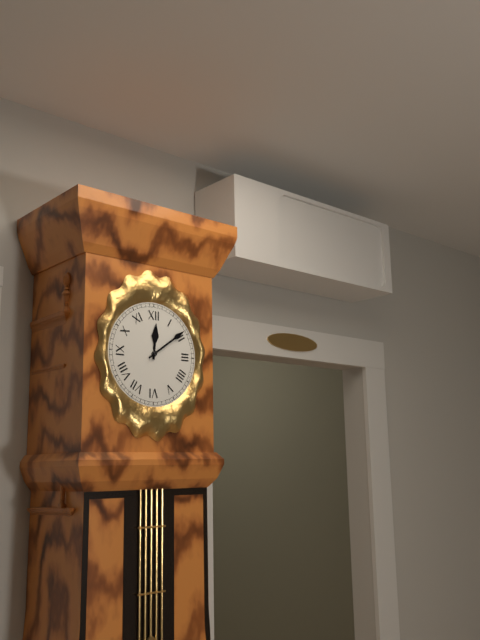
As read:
**12:09**
